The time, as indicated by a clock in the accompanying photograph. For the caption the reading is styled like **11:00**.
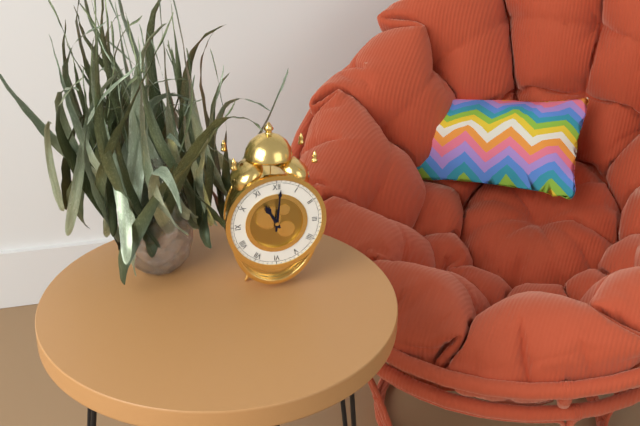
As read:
**11:01**
